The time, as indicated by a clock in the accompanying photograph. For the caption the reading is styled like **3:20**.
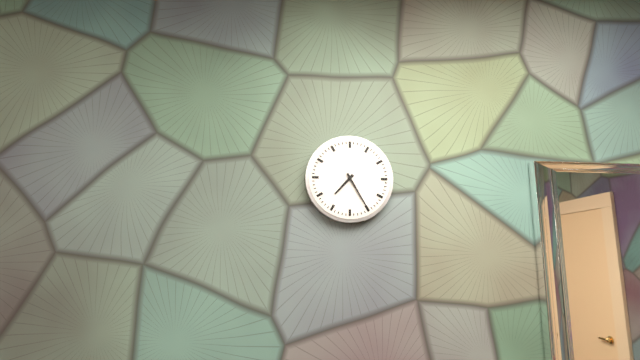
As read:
**7:25**
